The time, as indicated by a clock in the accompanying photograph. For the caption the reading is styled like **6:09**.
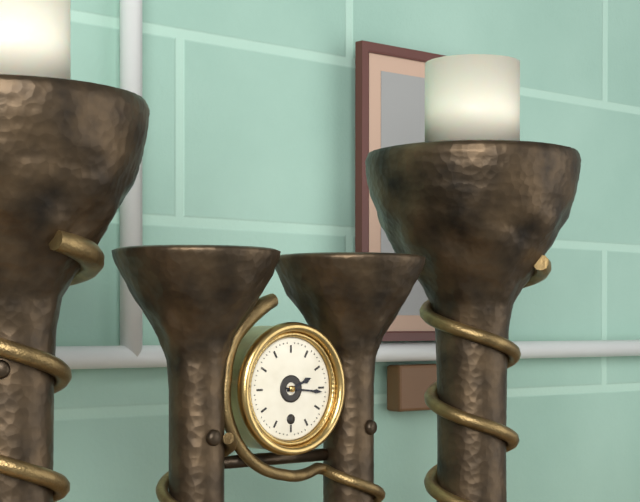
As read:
**2:16**
